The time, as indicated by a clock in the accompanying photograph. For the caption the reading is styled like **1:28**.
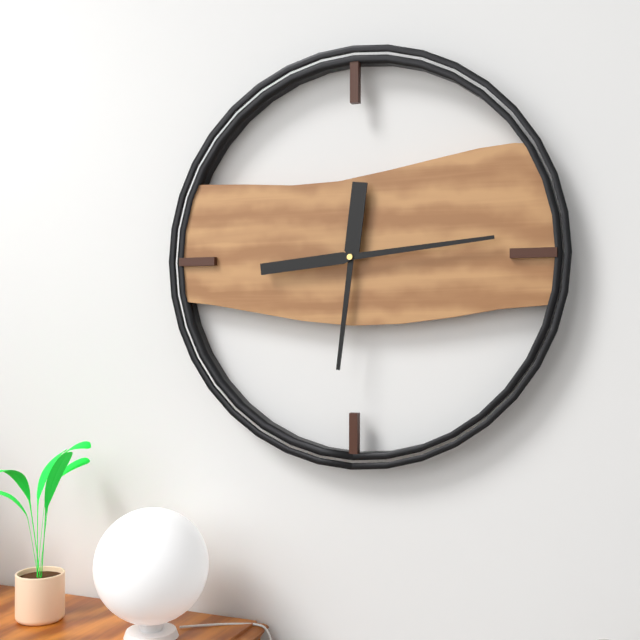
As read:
**6:14**
